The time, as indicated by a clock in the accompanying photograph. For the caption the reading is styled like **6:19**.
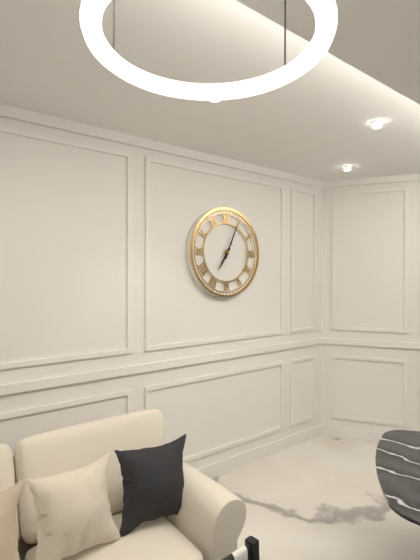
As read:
**7:04**
